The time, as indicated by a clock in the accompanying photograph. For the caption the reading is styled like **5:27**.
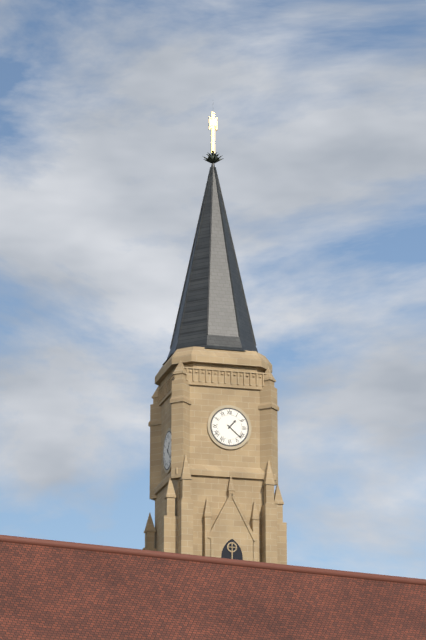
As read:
**1:22**
